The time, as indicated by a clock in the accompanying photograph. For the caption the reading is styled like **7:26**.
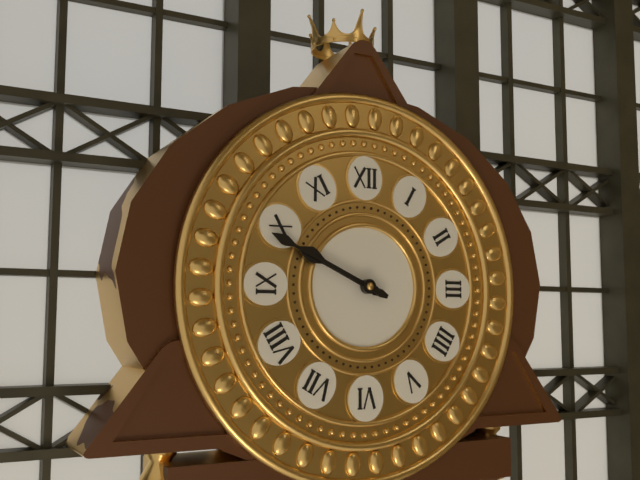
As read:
**9:49**
